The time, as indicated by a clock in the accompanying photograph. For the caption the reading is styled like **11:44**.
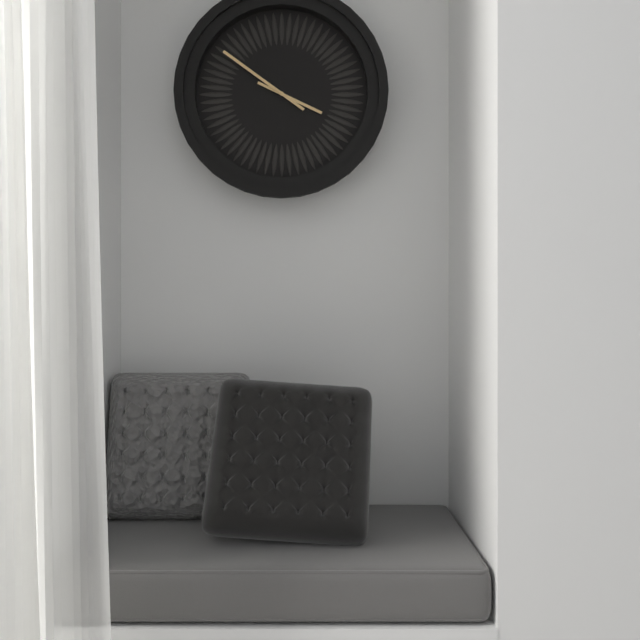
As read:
**3:51**
